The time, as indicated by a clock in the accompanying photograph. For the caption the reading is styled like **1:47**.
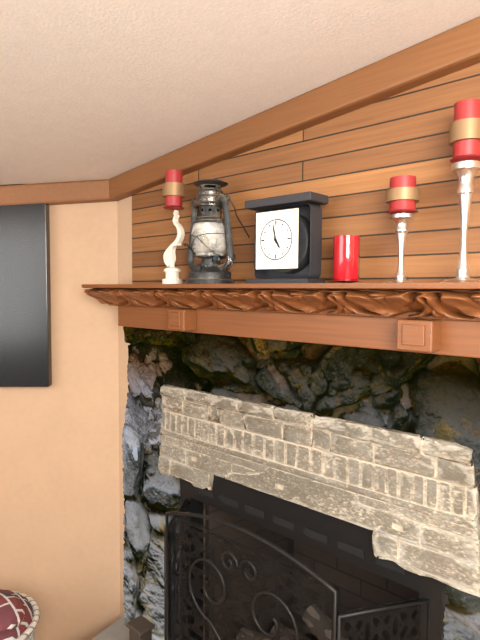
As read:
**4:58**
